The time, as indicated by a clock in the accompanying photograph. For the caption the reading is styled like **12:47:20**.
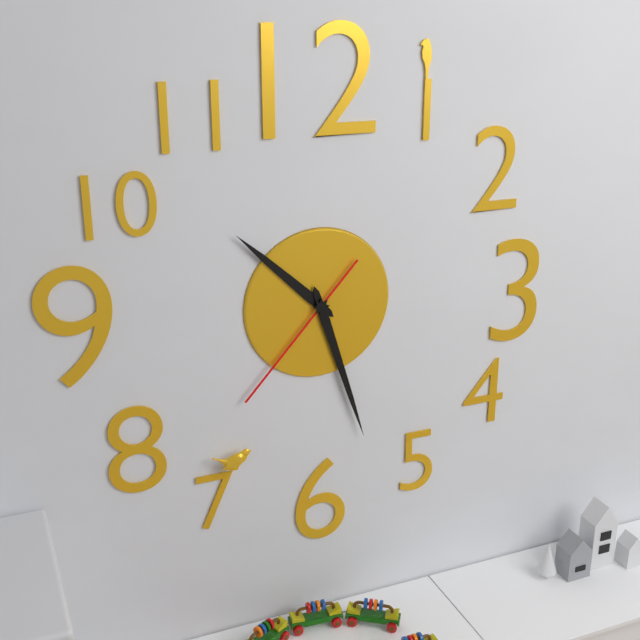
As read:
**10:27:37**
